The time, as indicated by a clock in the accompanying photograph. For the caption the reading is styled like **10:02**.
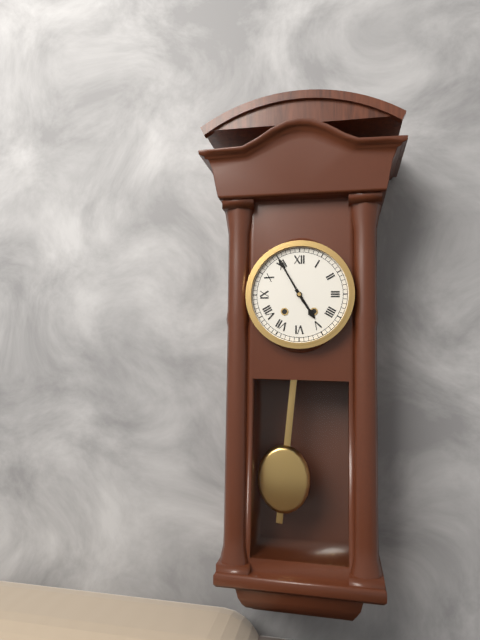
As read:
**4:55**
